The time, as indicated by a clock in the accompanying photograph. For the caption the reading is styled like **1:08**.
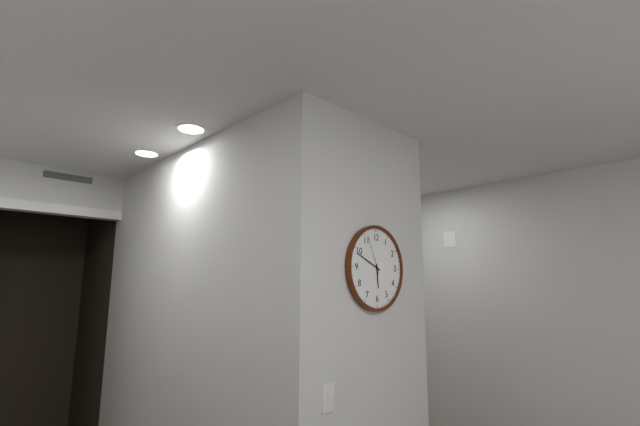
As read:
**5:49**
